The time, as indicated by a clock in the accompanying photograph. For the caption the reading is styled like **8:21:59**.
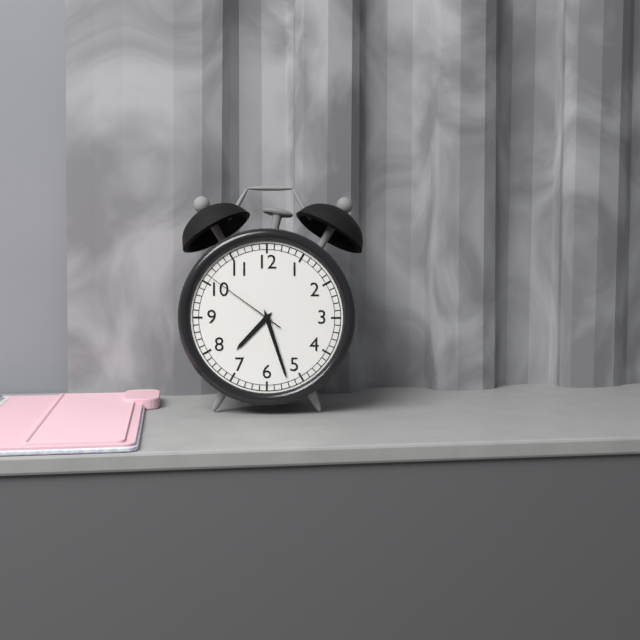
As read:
**7:27:51**
